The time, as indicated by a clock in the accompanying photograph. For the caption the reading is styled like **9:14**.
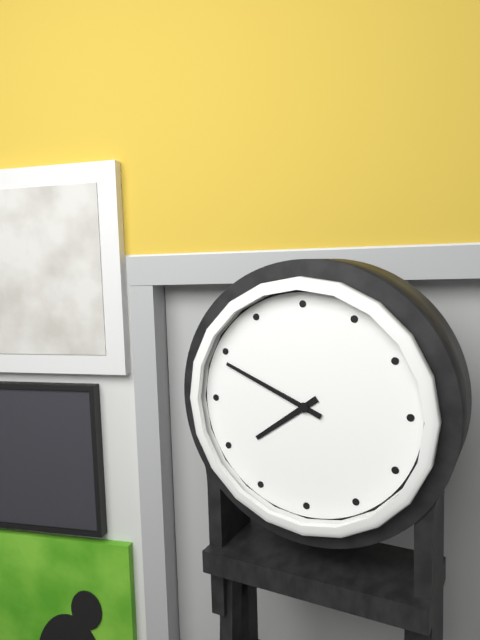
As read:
**7:49**
